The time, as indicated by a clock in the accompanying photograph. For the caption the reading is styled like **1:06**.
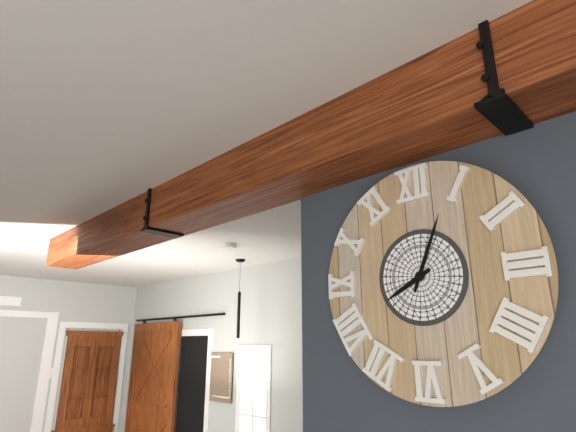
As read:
**8:04**
